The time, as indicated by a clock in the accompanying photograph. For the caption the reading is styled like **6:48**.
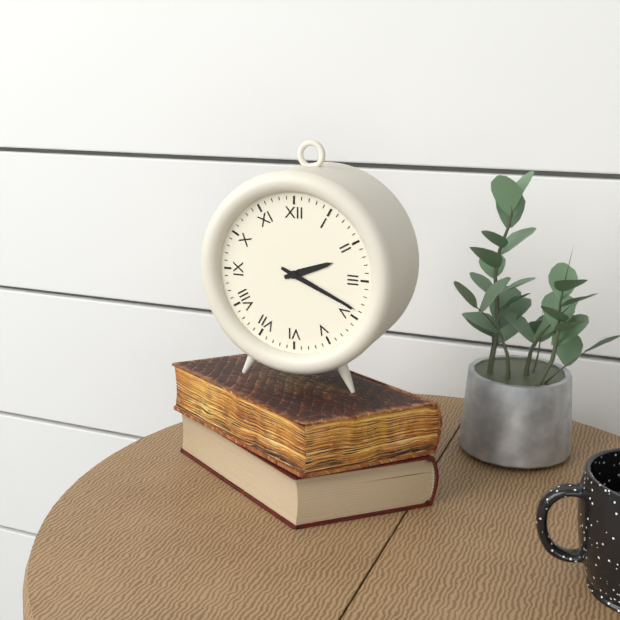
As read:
**2:19**
